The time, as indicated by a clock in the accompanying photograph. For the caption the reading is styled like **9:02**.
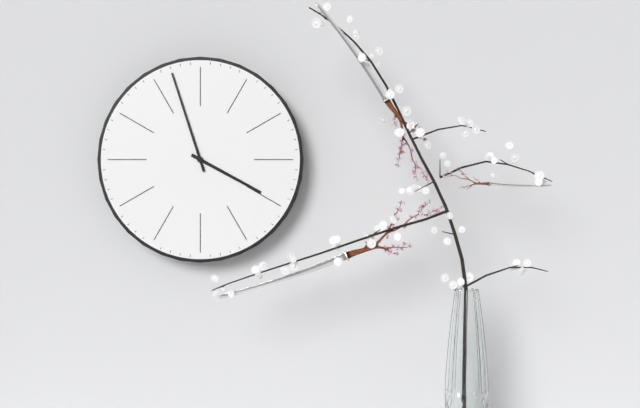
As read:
**3:57**
